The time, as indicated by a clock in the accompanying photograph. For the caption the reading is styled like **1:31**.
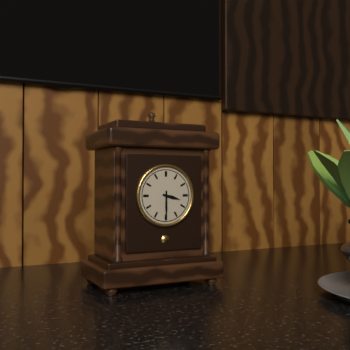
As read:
**3:30**
